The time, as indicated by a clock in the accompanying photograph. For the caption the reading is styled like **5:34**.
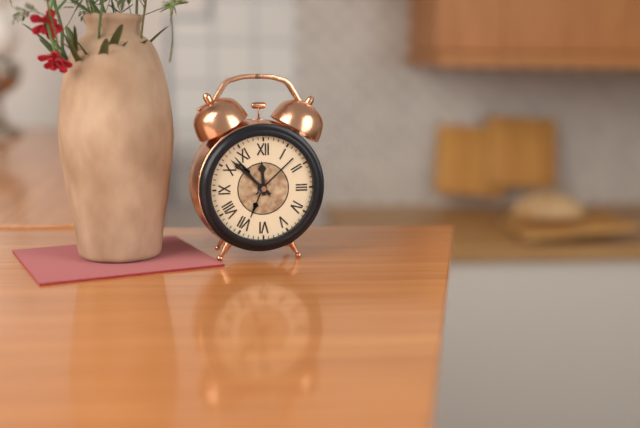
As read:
**11:52**
